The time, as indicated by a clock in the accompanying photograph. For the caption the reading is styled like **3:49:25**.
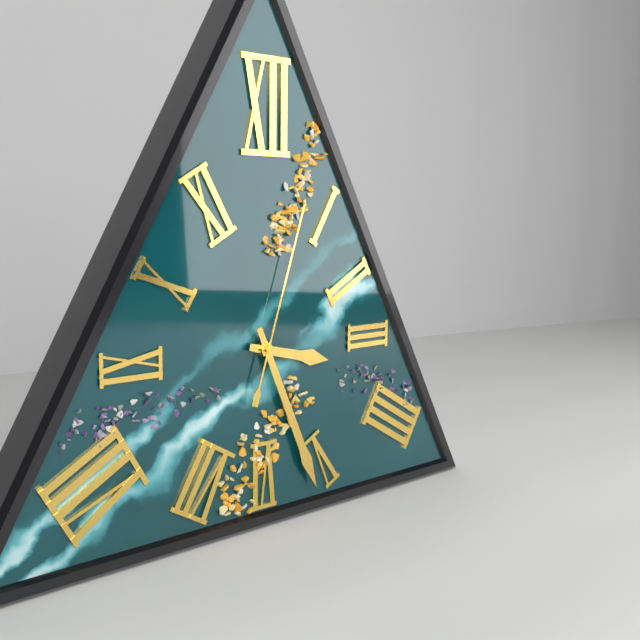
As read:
**3:26:03**
